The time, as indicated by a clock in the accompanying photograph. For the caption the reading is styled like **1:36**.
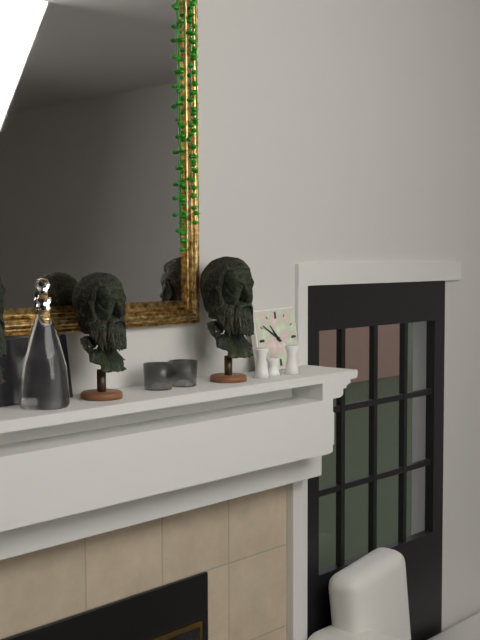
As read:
**10:51**
